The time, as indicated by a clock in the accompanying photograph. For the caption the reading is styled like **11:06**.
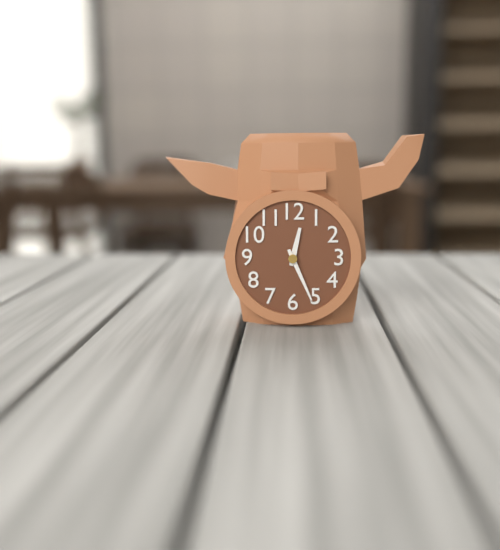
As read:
**12:26**
